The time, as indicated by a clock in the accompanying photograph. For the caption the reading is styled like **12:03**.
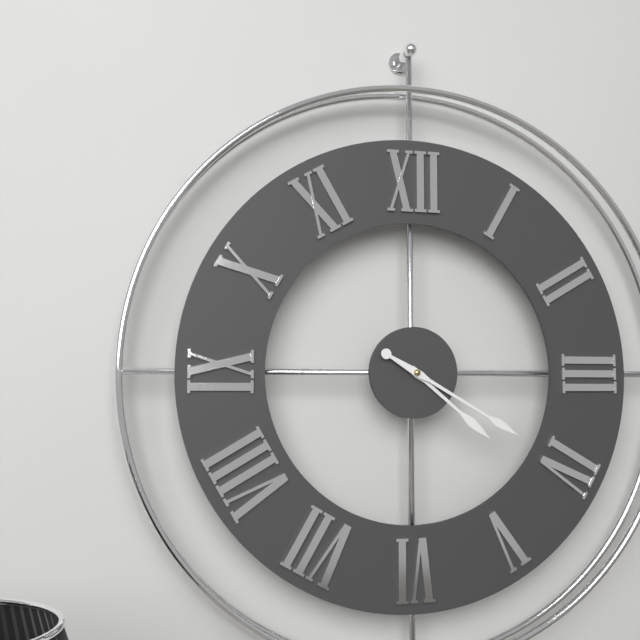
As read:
**4:20**
